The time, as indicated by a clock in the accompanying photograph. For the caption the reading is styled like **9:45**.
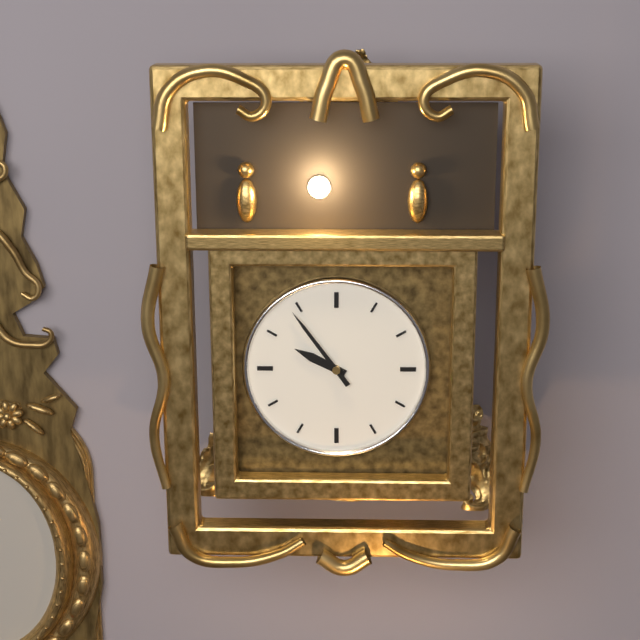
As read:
**9:54**
